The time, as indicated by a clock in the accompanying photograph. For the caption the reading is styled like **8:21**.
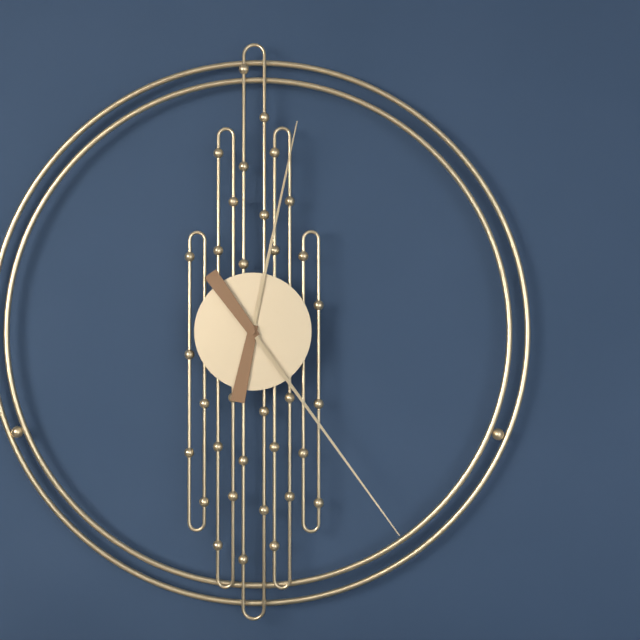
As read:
**12:24**
